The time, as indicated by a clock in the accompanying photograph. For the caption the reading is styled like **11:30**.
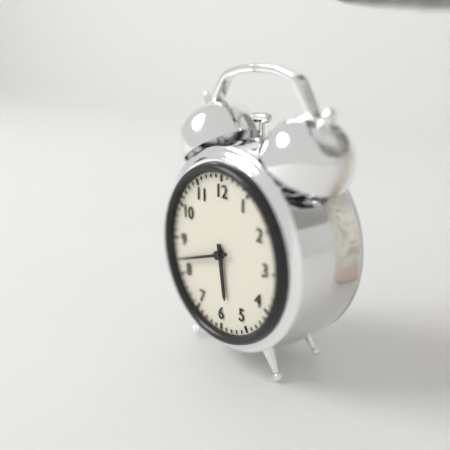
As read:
**5:42**
